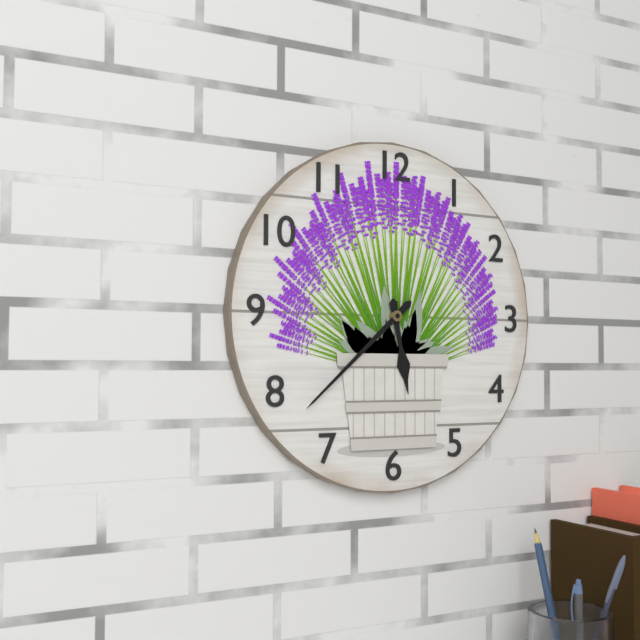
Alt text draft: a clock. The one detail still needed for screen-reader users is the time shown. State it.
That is 5:38
